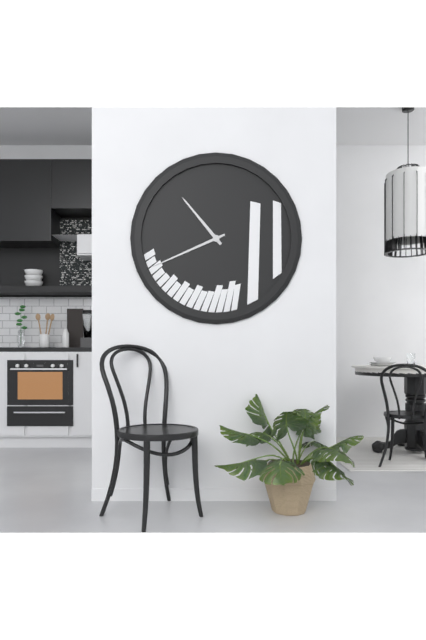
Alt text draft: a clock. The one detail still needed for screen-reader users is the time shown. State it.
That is 10:41
